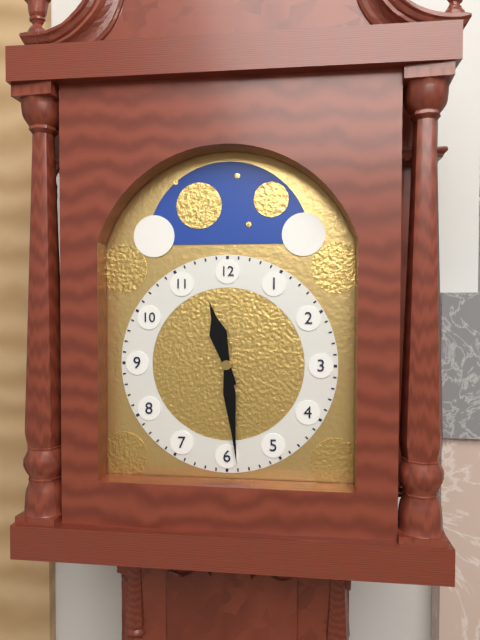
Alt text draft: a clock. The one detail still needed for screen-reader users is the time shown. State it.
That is 11:29
